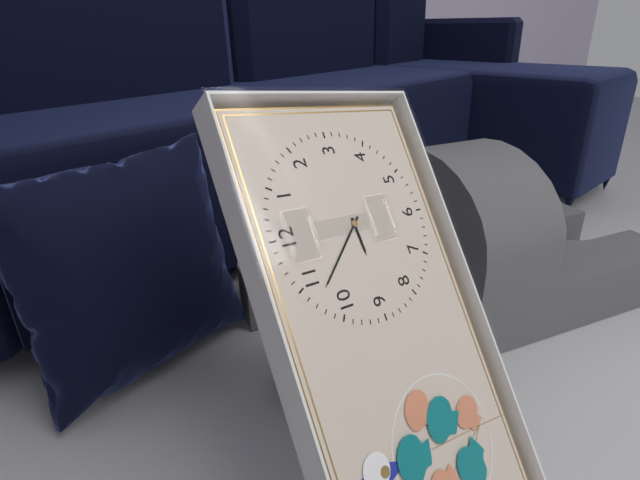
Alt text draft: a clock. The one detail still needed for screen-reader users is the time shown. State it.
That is 8:53
